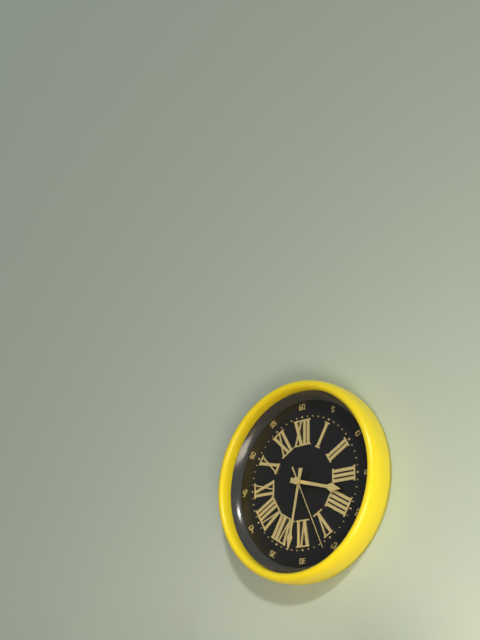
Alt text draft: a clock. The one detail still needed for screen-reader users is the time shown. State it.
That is 3:32:26
